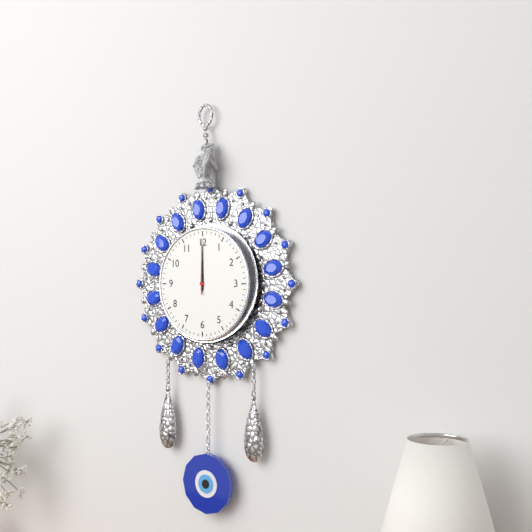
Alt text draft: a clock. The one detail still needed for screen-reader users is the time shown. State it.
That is 12:00:00
